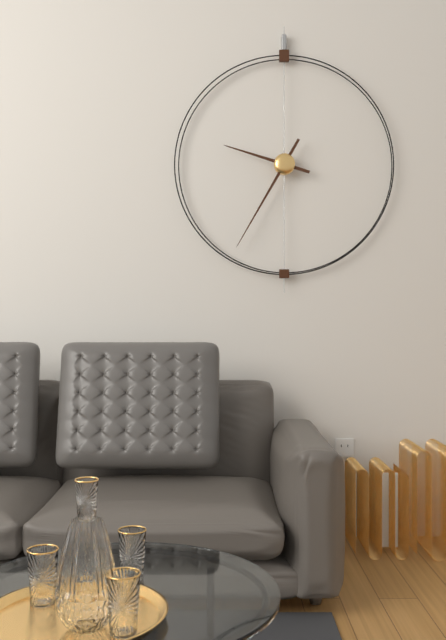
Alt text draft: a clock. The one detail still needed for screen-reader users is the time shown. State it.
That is 9:35
